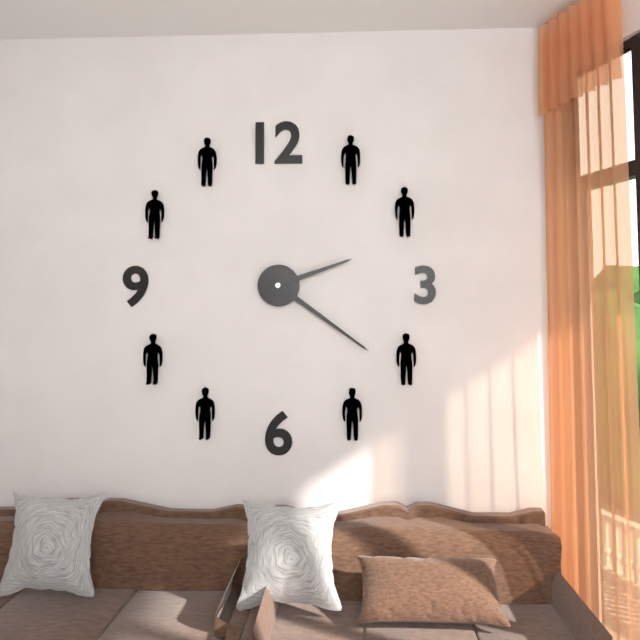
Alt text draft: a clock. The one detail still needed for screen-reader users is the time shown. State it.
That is 2:21
